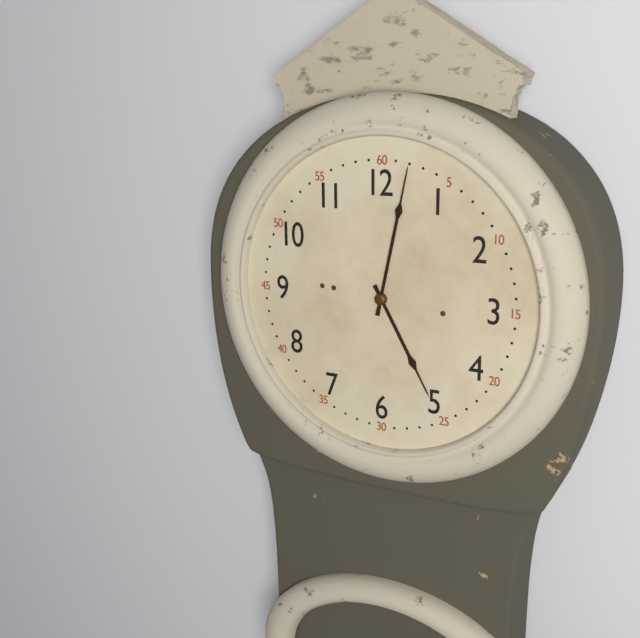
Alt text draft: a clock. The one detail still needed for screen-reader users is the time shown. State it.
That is 5:02
